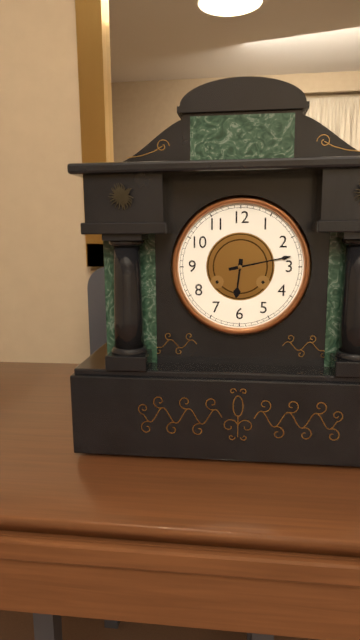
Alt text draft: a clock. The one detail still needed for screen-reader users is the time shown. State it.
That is 6:13
